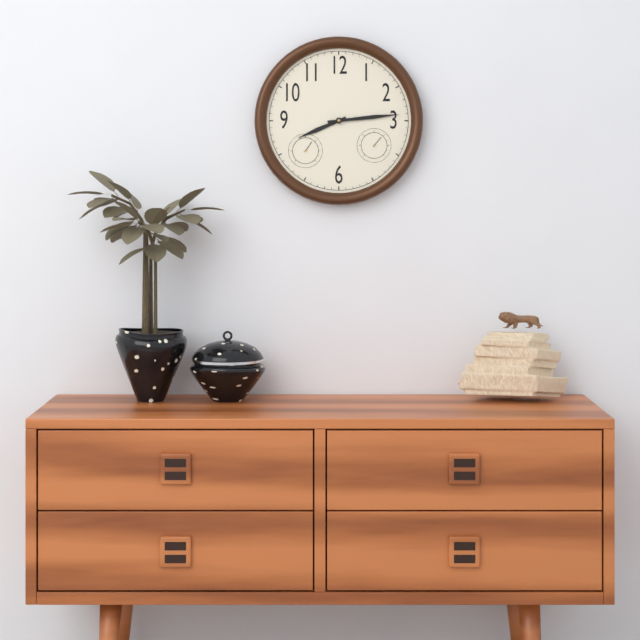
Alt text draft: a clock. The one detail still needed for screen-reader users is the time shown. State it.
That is 8:14
